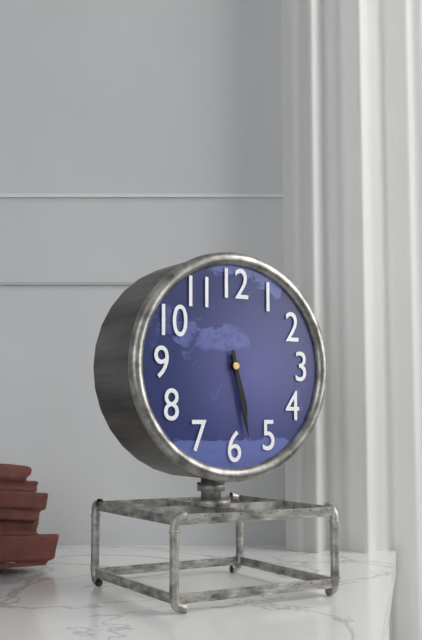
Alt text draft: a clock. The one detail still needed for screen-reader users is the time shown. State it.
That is 5:28
